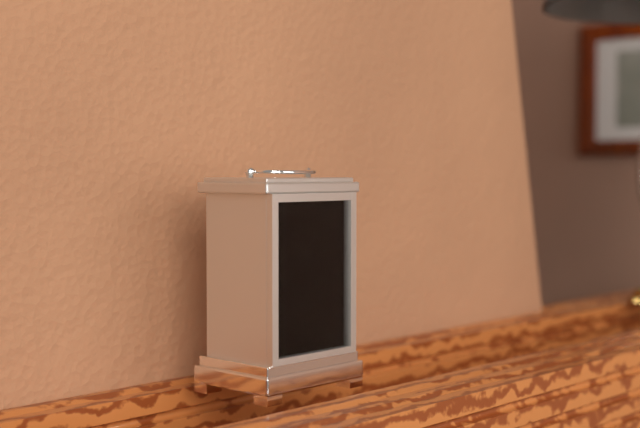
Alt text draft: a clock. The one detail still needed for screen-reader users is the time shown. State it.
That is 2:29
